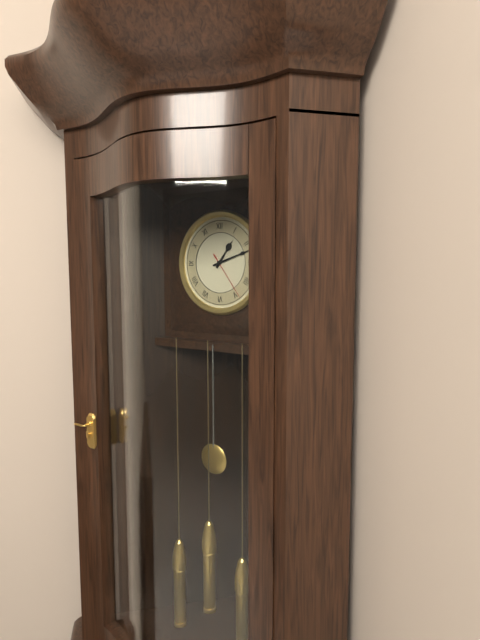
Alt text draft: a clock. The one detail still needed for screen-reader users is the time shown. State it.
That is 1:12:24
